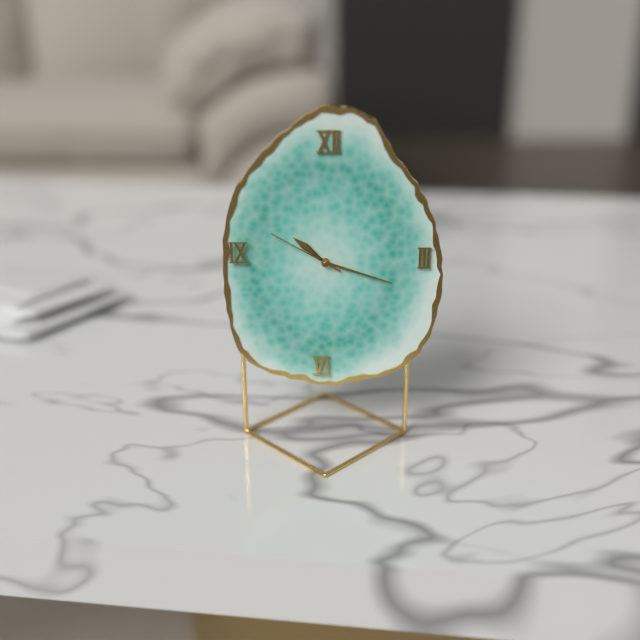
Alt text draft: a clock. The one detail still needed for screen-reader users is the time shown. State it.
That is 10:18:50
